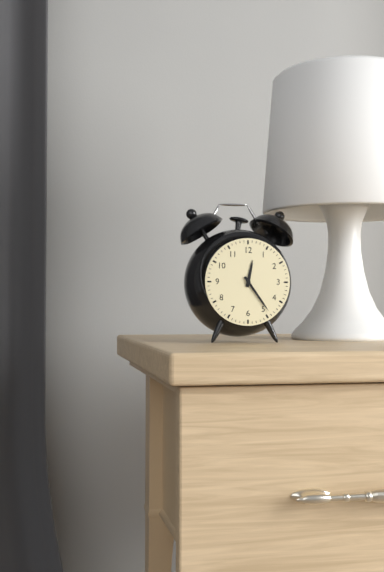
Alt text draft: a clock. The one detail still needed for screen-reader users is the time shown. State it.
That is 12:24
